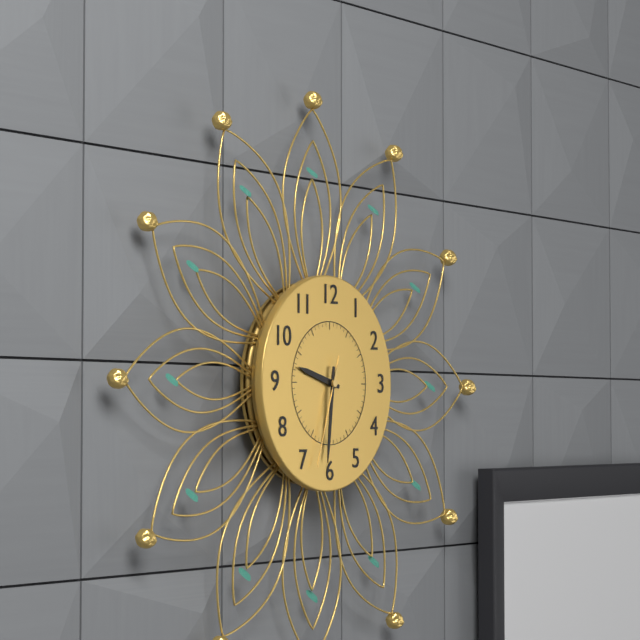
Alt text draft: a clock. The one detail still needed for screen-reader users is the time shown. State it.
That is 9:31:33
